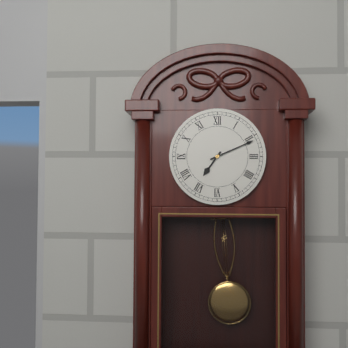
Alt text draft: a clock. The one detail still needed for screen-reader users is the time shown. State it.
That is 7:11
